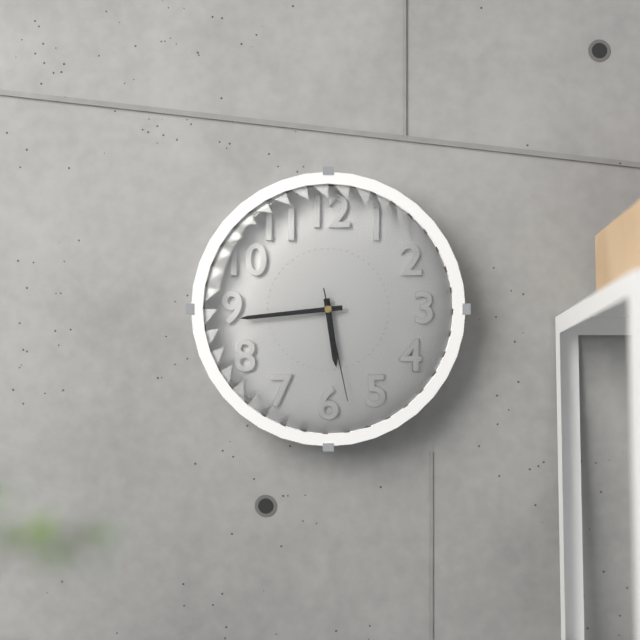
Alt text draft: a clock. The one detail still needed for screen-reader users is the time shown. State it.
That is 5:44:28
